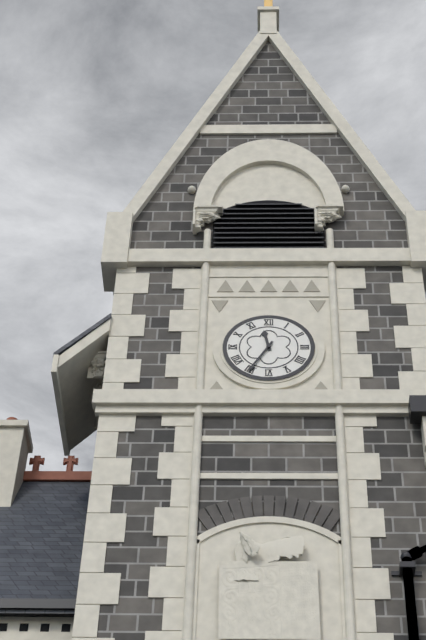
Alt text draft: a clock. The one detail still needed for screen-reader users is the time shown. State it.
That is 11:35
